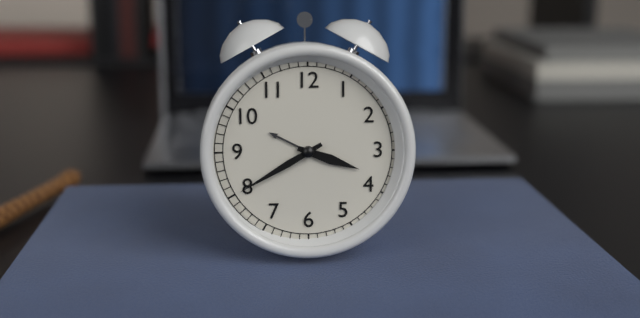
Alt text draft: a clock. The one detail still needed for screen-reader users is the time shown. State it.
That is 3:40
